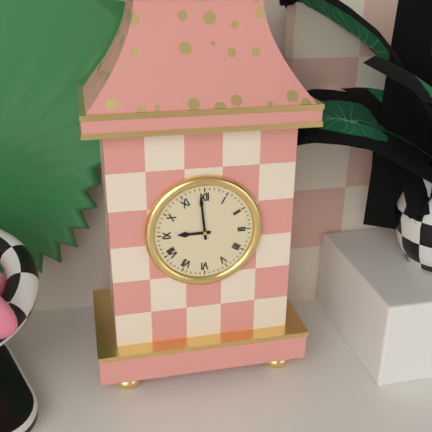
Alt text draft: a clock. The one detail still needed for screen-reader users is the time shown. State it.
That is 8:59
